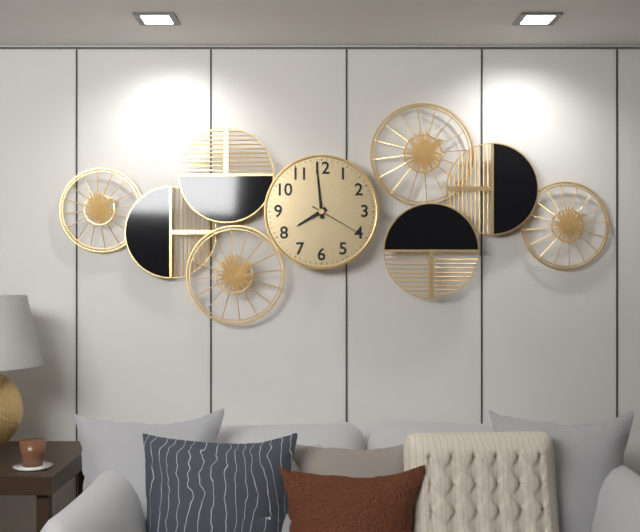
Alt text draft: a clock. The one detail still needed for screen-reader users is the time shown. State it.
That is 7:59:20
